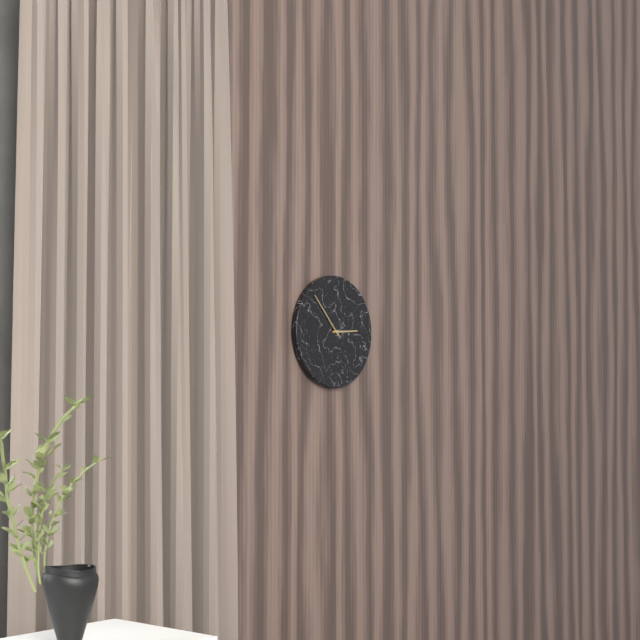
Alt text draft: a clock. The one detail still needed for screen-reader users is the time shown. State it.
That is 2:53
